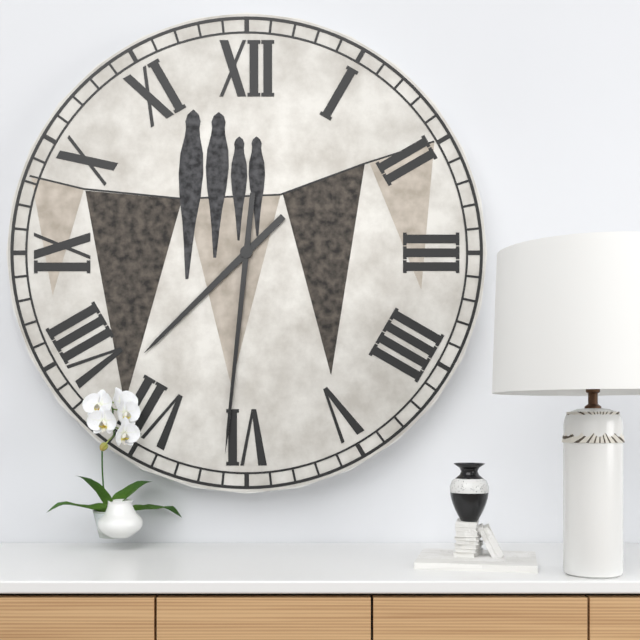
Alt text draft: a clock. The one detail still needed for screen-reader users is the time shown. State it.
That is 7:31
